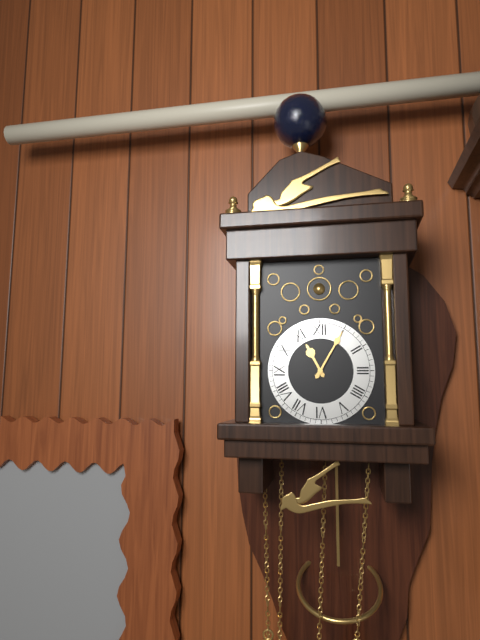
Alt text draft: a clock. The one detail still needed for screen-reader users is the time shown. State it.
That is 11:05
